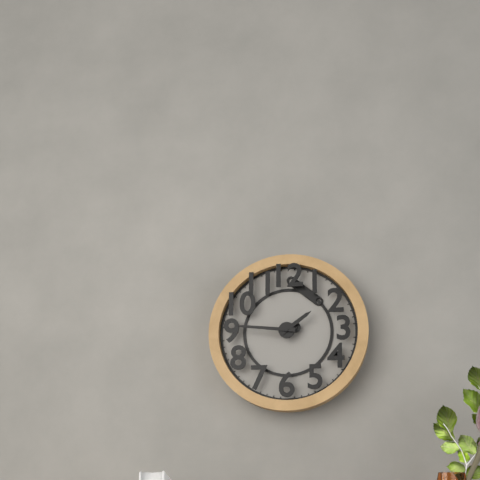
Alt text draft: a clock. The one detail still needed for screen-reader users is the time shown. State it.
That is 1:46
